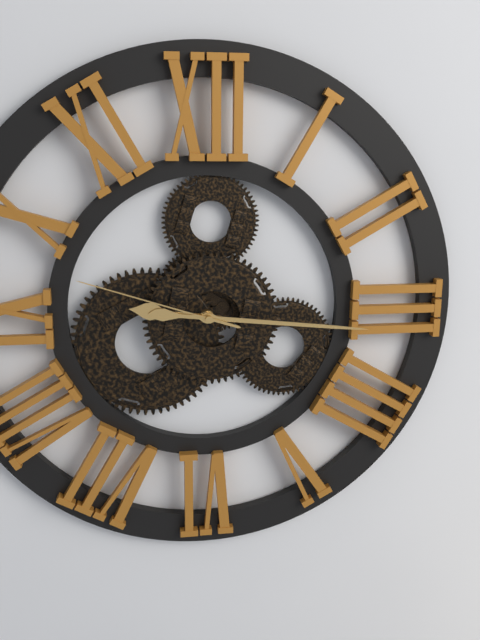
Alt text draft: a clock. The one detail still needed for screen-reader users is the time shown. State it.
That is 9:16:48
